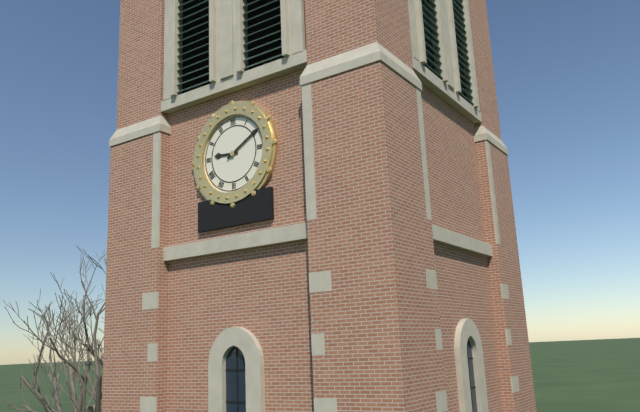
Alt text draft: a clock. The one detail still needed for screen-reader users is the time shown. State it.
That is 9:10
